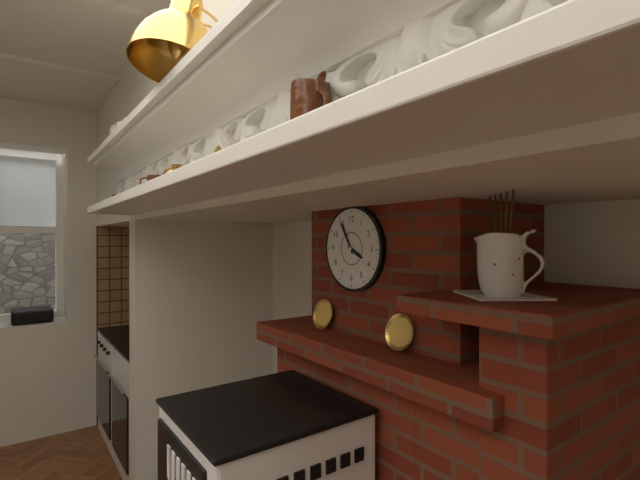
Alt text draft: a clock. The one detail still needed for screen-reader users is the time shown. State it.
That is 3:55
